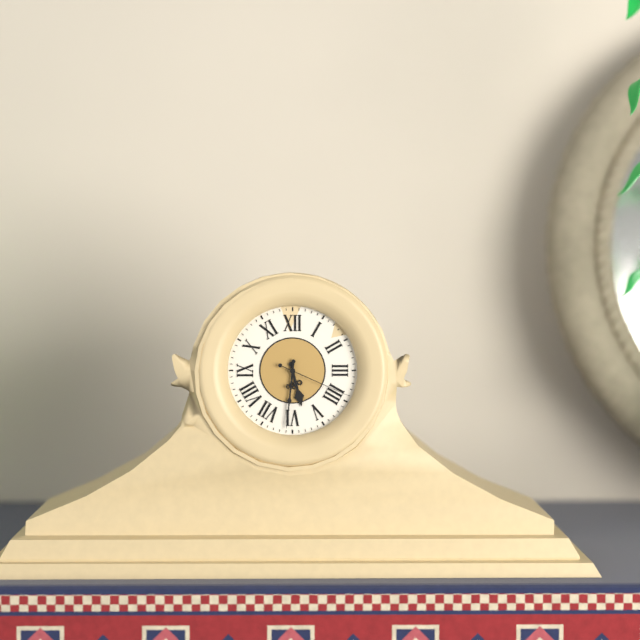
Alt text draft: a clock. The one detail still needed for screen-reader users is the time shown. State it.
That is 5:31:19
